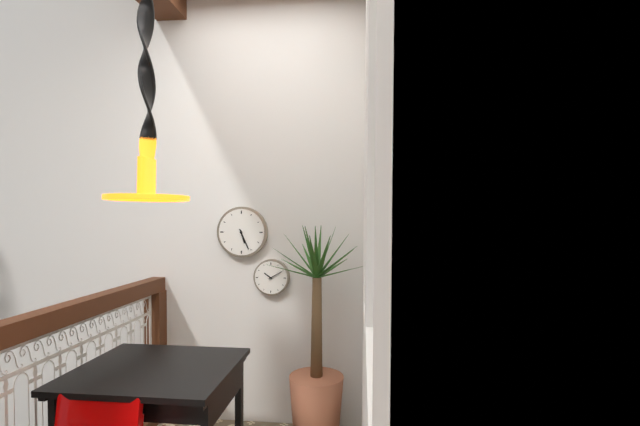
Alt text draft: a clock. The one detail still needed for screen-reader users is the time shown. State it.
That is 5:26
